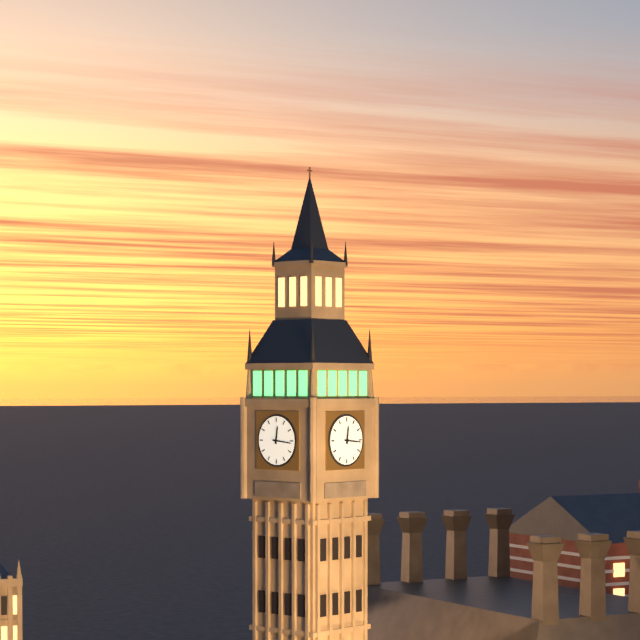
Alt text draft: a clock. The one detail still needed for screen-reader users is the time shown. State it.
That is 12:16
